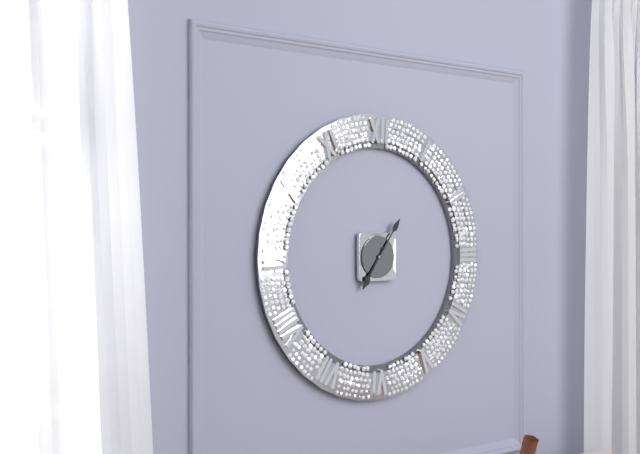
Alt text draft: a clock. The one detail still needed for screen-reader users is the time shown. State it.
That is 7:06
